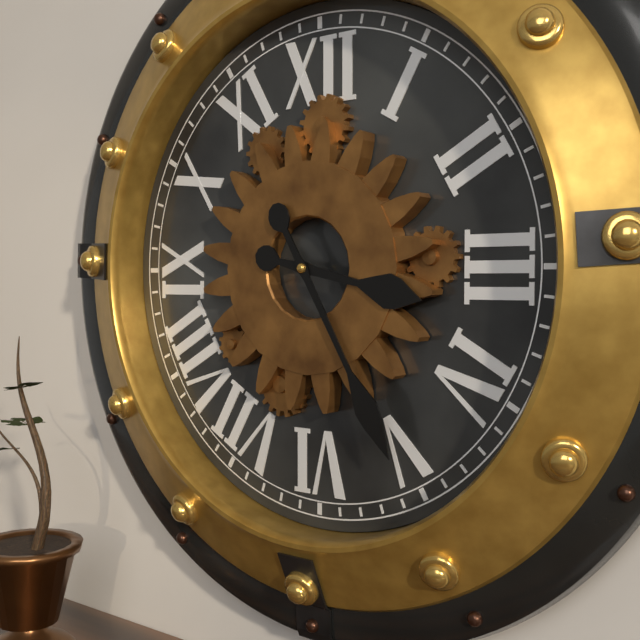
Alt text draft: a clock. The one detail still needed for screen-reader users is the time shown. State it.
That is 3:25
